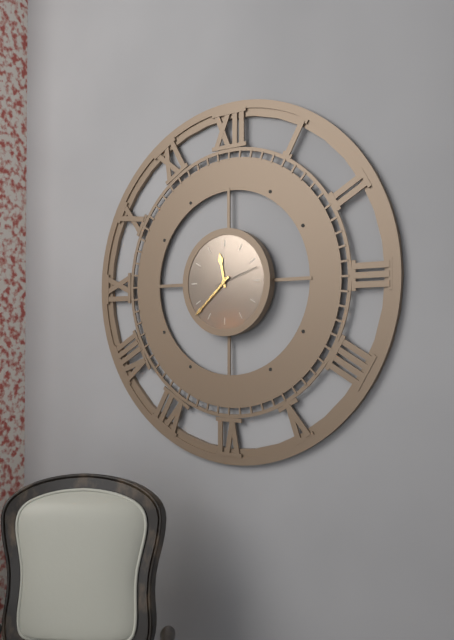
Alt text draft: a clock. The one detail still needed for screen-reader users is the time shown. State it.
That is 11:38
